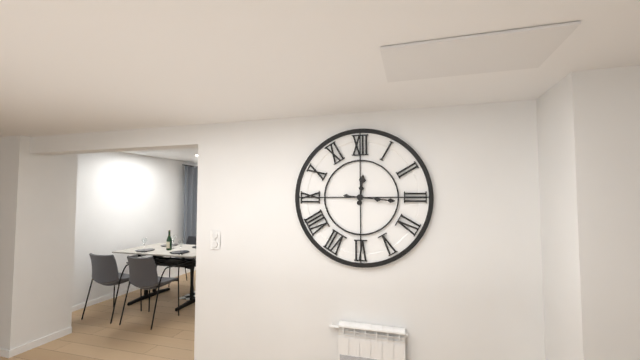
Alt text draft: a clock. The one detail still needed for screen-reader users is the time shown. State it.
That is 12:16
